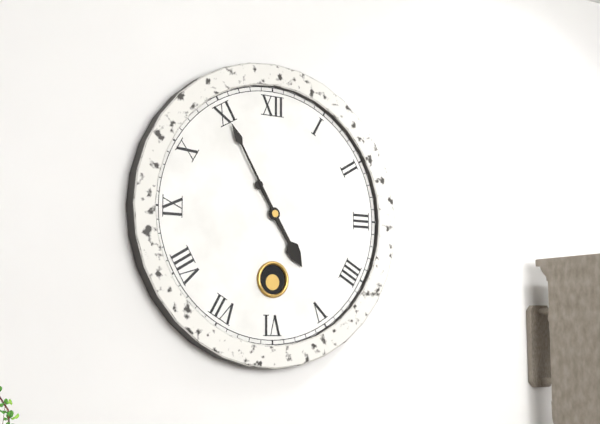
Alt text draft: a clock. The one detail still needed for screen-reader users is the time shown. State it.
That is 4:55
